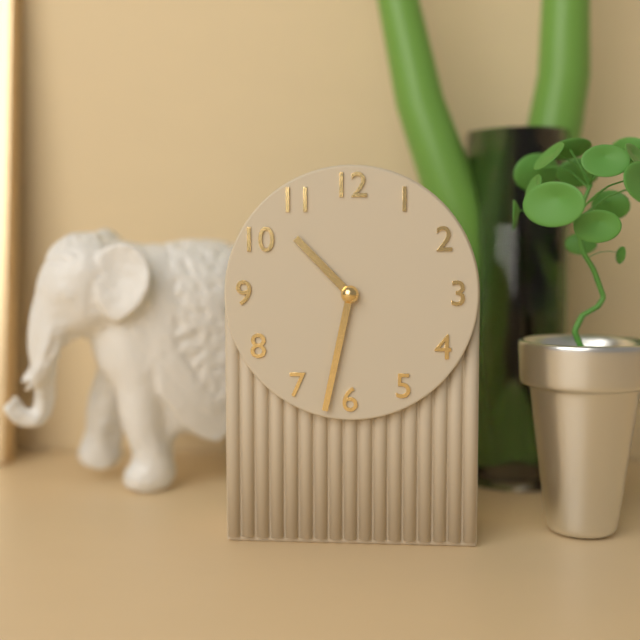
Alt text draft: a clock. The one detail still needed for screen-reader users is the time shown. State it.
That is 10:32
